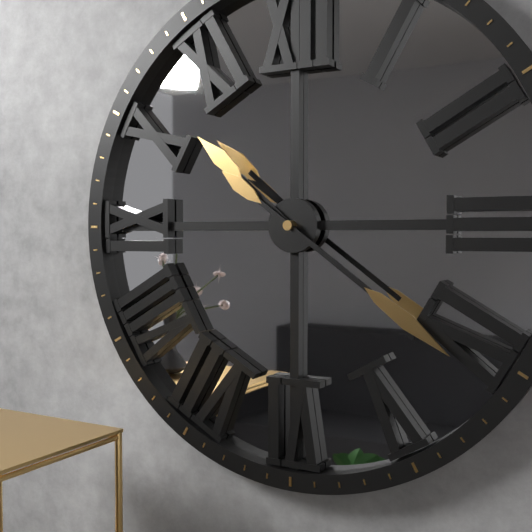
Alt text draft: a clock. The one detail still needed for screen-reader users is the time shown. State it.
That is 10:21
